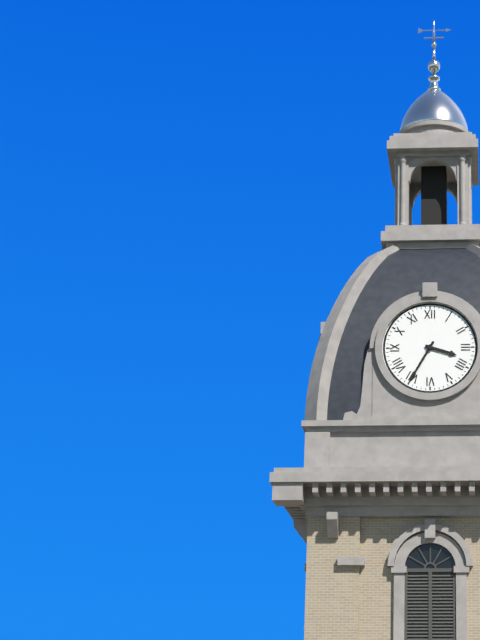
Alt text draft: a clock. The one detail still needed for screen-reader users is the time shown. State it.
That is 3:35
